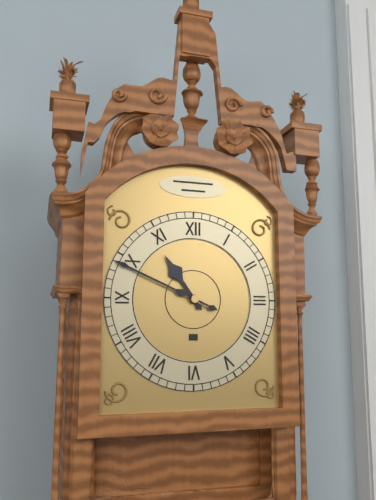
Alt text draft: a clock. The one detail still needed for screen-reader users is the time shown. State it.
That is 10:49
